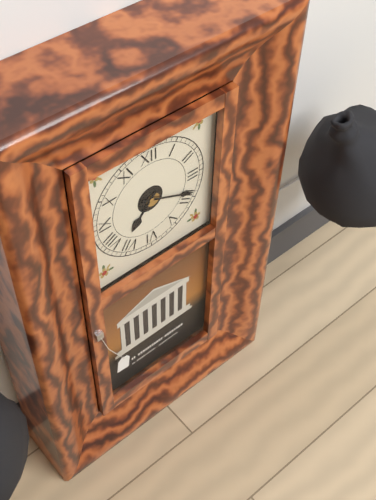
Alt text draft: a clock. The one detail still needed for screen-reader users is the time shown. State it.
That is 7:19
